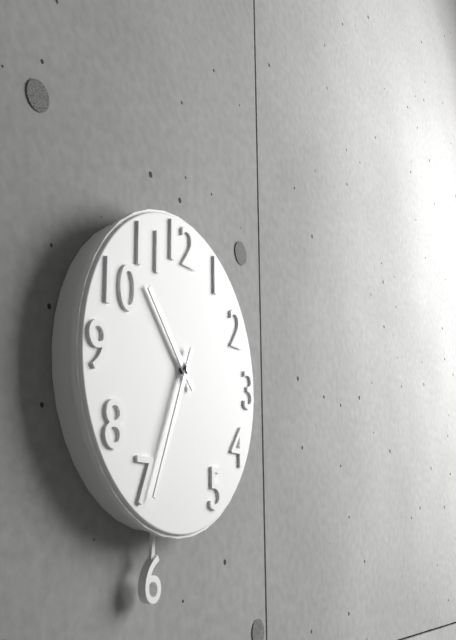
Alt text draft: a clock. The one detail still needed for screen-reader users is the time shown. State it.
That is 10:34
